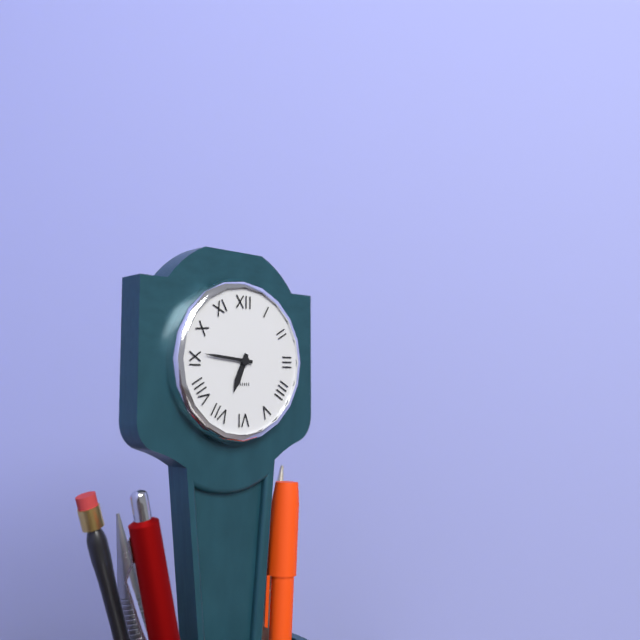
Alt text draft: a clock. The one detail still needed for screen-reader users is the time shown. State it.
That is 6:46
